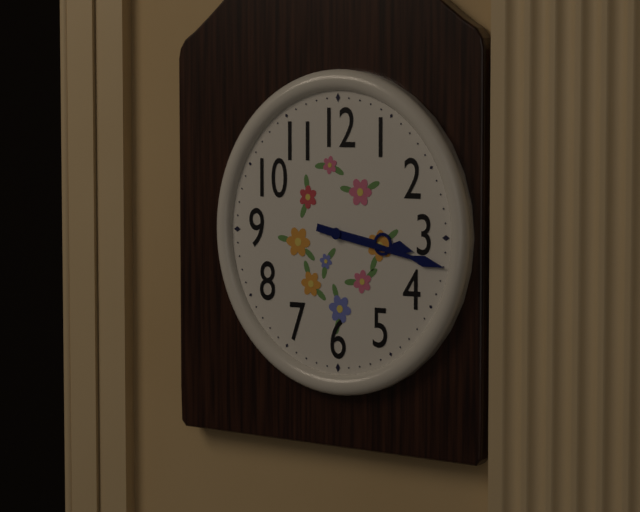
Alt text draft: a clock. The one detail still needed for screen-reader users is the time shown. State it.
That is 3:17
